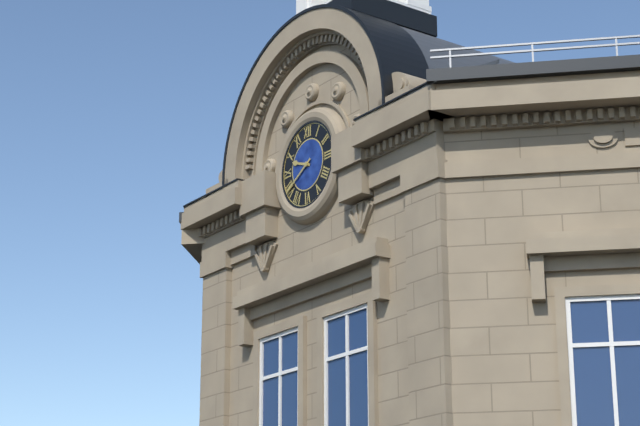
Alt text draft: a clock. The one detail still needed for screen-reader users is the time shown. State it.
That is 9:40
